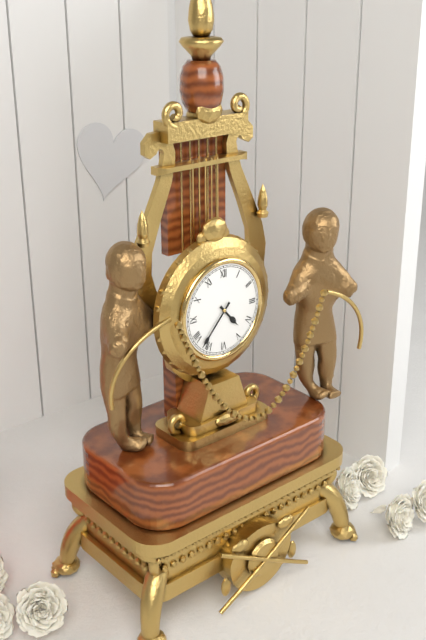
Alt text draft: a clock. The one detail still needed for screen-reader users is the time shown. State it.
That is 4:37
